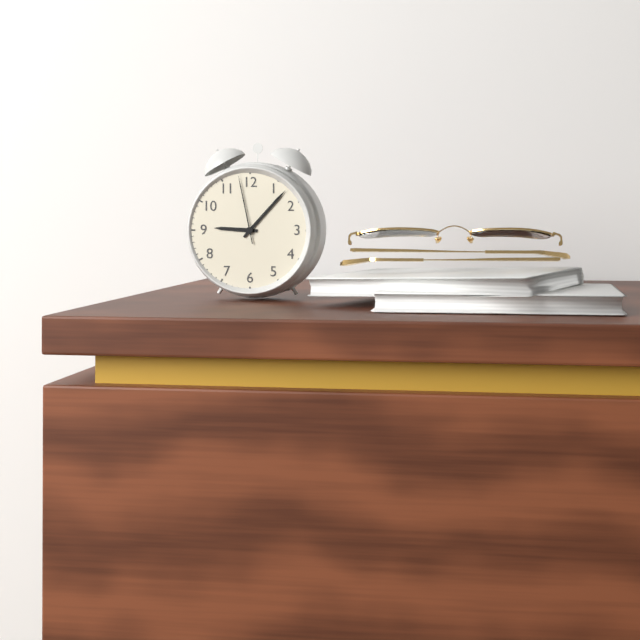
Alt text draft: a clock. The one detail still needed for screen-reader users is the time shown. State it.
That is 9:07:58
